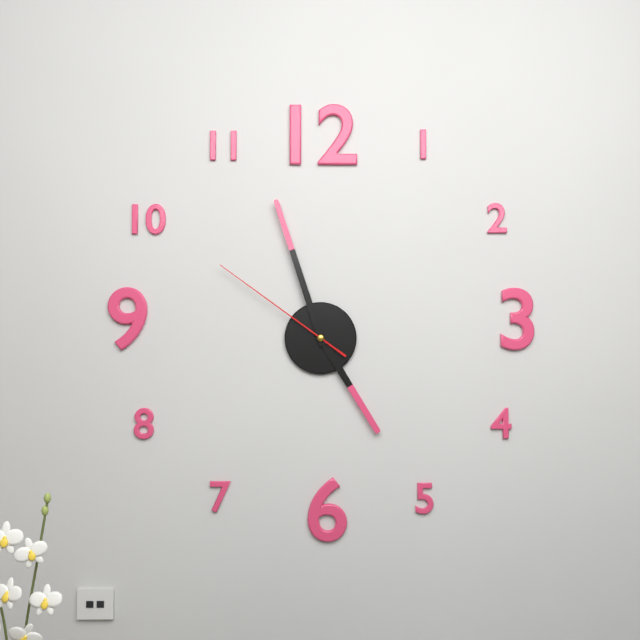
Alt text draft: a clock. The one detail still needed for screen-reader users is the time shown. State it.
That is 4:57:51
